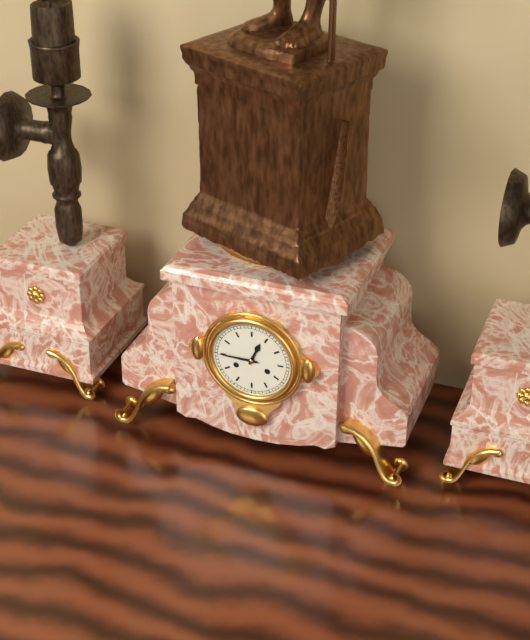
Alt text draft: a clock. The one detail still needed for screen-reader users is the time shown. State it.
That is 12:45
